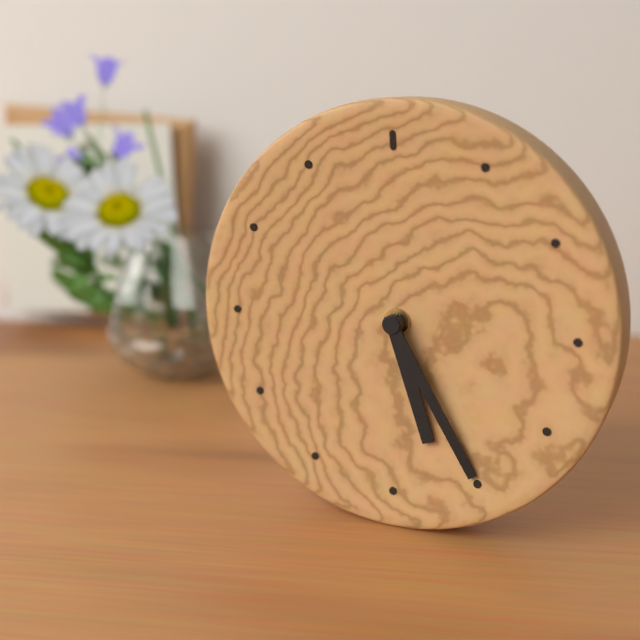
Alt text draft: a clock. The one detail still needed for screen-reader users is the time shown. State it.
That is 5:25
